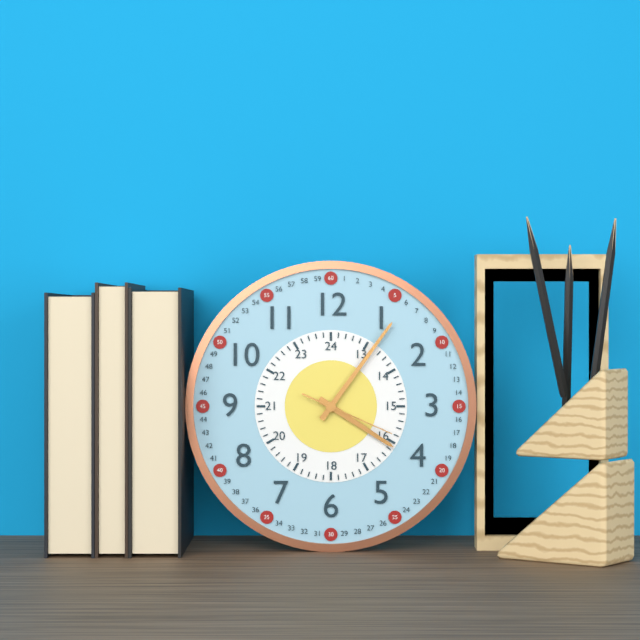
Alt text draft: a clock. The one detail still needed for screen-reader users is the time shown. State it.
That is 4:06:19
